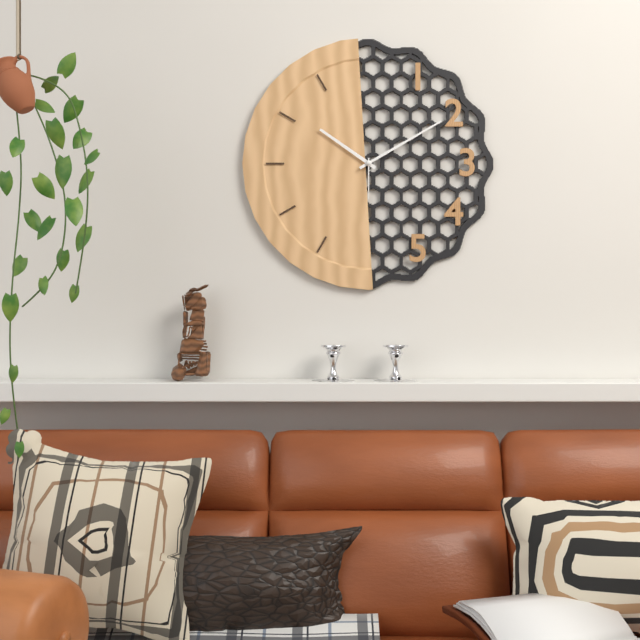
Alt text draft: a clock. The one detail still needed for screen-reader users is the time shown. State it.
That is 10:10
